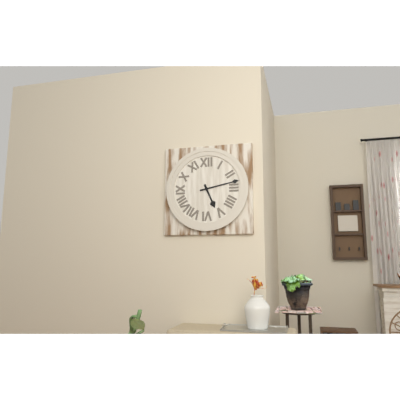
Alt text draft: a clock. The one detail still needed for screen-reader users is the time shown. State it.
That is 5:13
